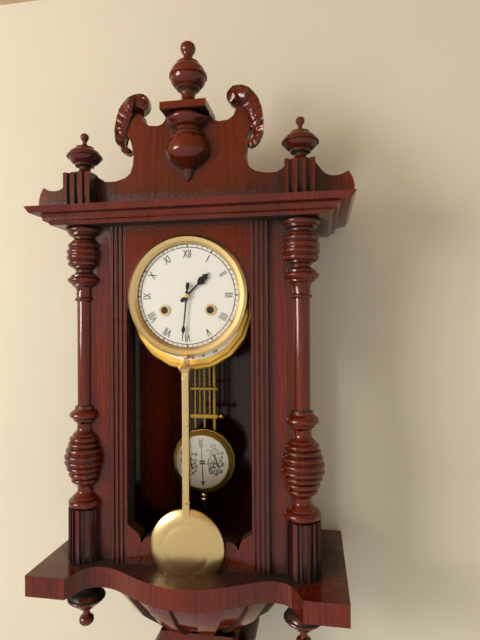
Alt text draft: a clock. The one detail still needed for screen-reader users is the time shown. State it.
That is 1:31
